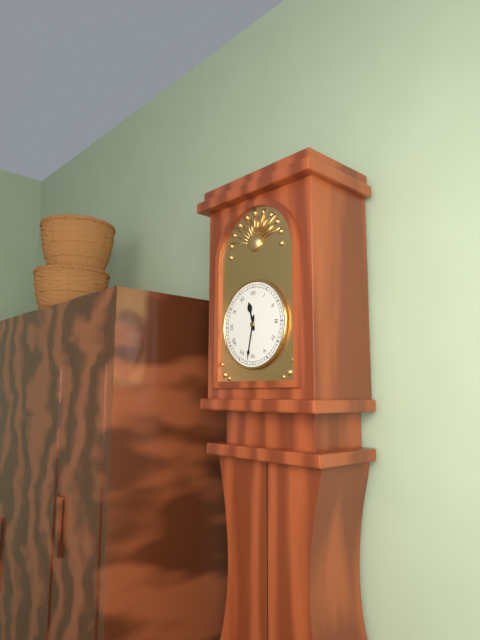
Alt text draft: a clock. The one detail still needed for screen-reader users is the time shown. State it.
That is 11:32
